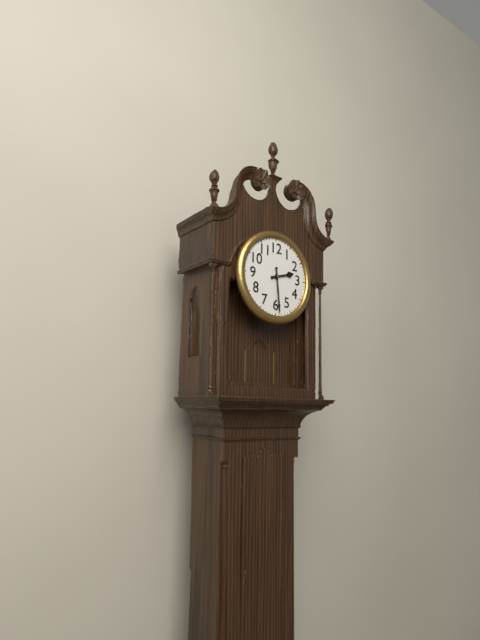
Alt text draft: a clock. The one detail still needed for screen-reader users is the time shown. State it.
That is 2:29
